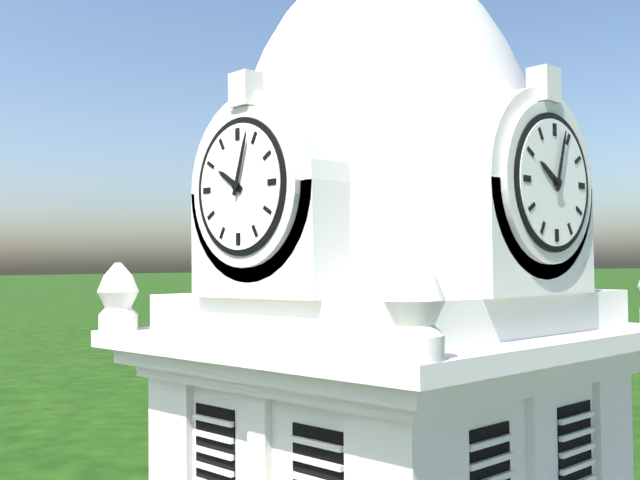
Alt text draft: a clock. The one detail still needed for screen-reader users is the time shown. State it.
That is 10:03
